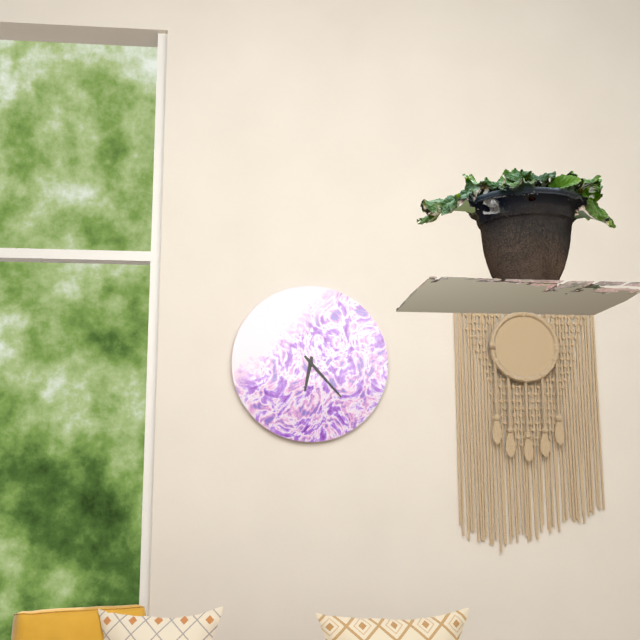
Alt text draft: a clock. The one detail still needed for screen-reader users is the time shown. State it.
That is 6:23
